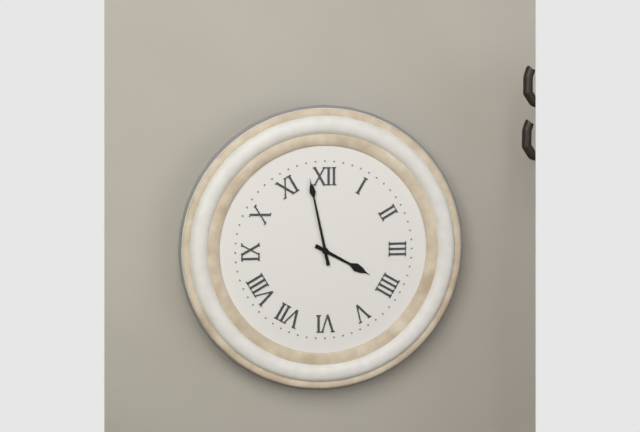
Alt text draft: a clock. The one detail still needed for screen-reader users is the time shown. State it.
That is 3:58
